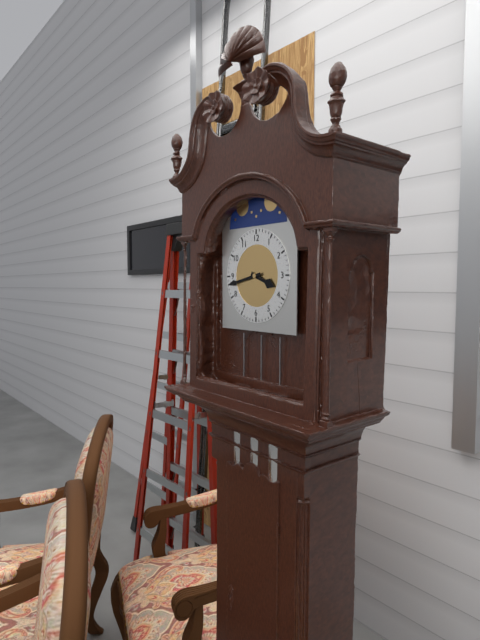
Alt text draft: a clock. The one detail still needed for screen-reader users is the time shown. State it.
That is 3:43
